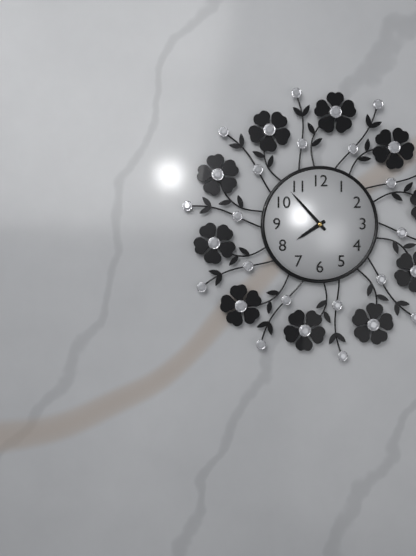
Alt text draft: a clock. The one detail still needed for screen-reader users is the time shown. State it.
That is 7:53
